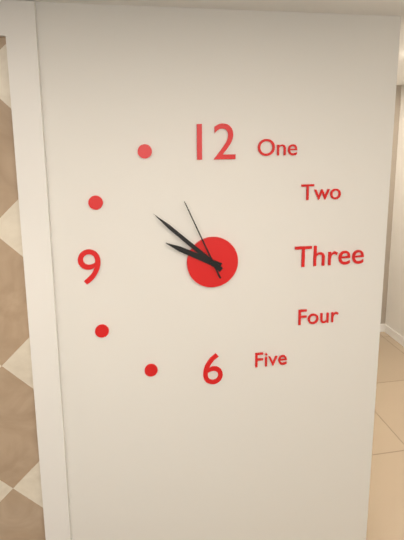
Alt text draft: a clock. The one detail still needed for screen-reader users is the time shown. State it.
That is 9:52:56
